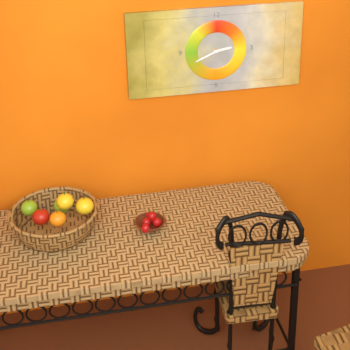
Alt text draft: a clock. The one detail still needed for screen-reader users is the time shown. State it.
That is 2:41
